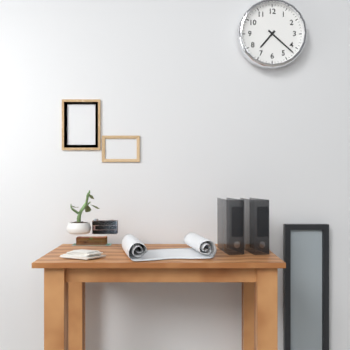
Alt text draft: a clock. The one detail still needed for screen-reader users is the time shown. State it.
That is 7:22
